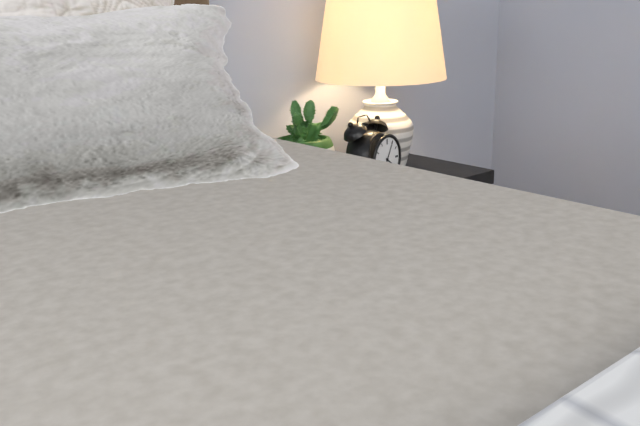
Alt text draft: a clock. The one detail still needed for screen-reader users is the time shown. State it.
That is 4:05
